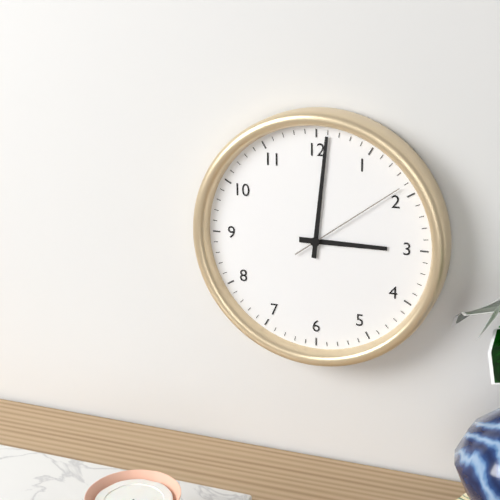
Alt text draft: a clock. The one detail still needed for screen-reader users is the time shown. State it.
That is 3:01:09
